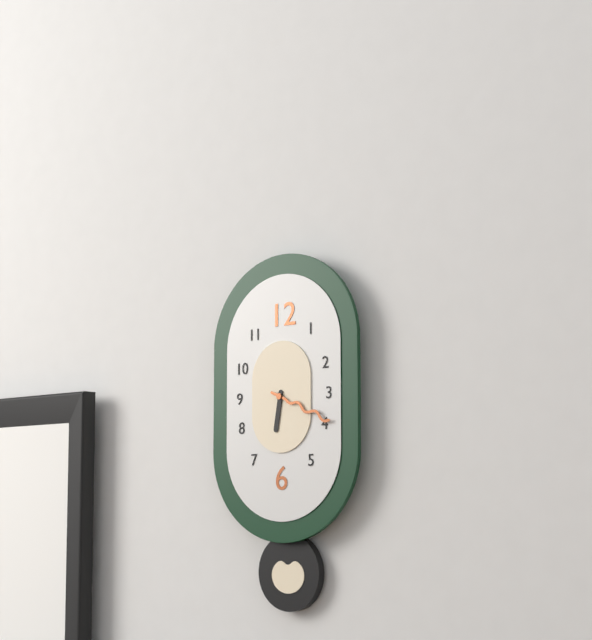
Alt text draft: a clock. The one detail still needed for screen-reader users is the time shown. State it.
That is 6:19
